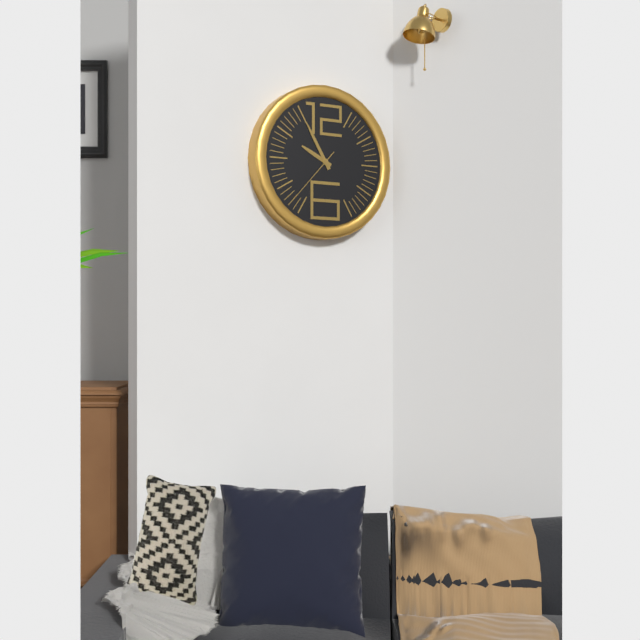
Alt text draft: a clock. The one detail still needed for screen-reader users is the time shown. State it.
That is 9:55:37
